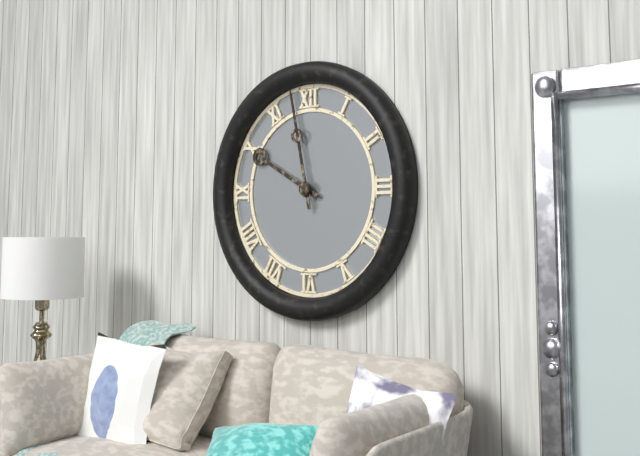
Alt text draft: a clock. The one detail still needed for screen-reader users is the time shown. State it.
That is 9:58
